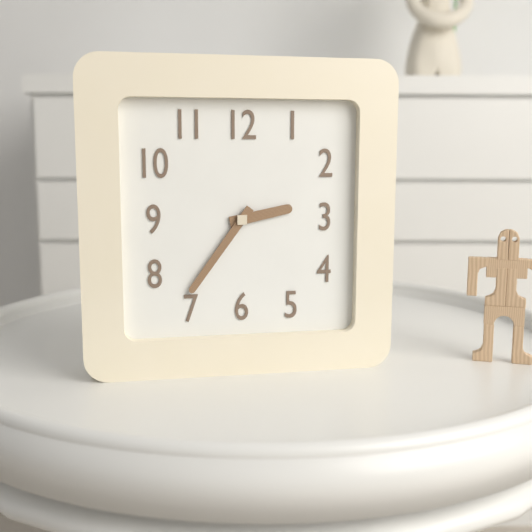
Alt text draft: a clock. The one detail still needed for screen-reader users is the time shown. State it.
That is 2:36
